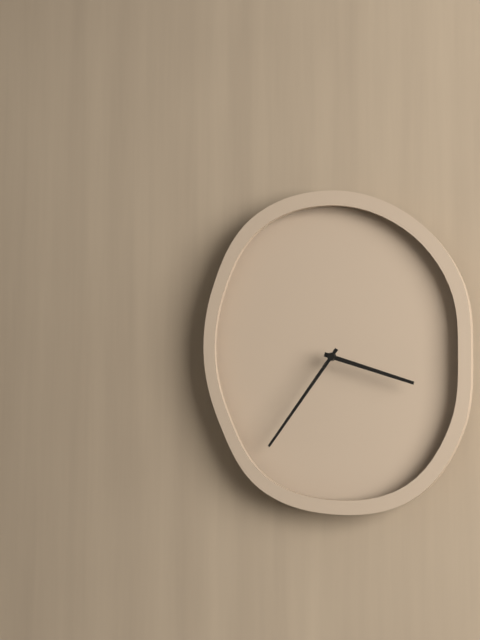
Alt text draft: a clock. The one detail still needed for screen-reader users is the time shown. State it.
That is 3:36
